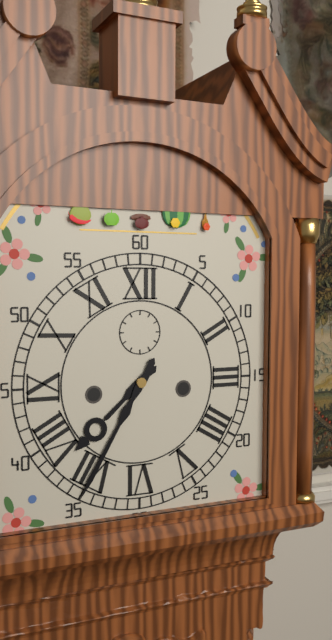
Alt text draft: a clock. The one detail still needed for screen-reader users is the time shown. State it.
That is 7:35
